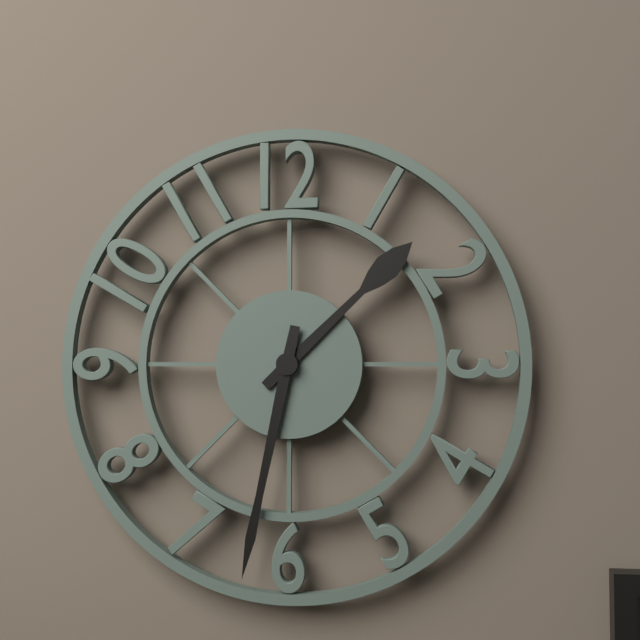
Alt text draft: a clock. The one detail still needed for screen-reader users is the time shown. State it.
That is 1:32
